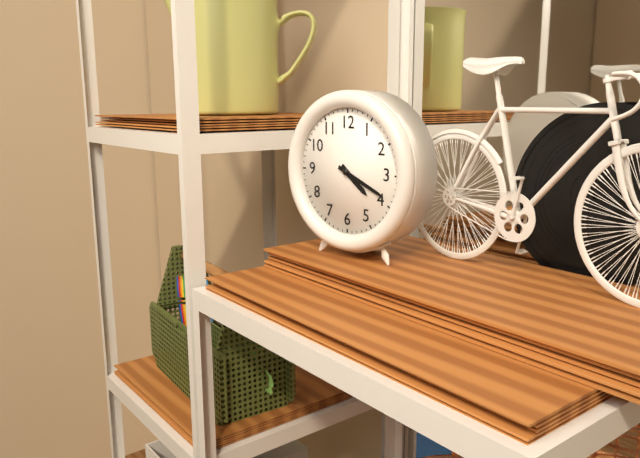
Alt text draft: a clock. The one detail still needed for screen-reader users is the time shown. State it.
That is 4:19
